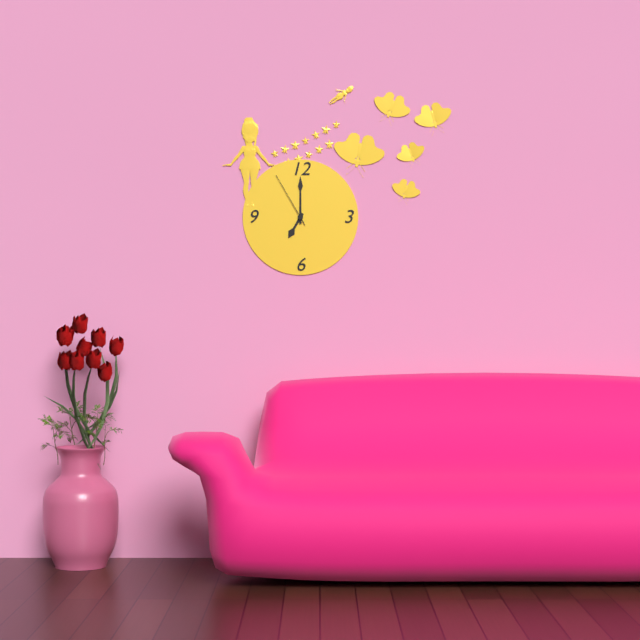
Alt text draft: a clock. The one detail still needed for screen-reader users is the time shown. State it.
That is 7:00:55
